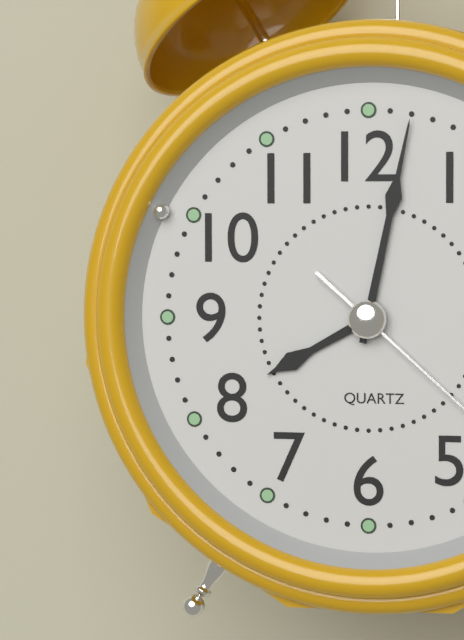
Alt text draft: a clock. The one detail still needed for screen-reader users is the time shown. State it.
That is 8:02
